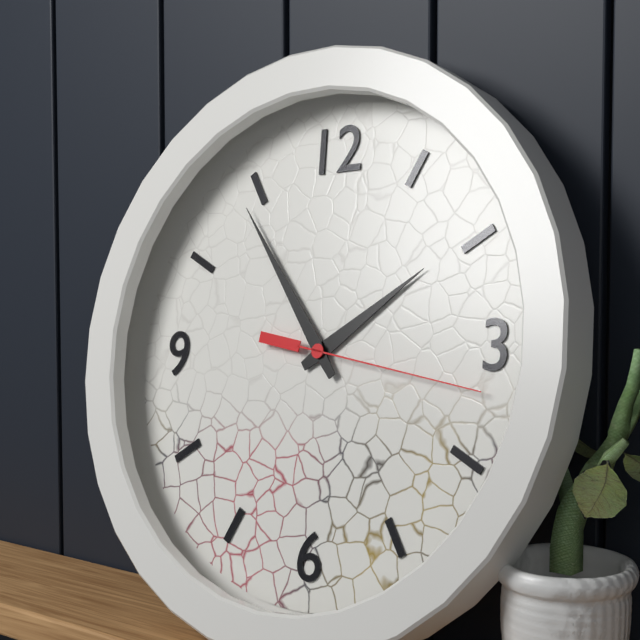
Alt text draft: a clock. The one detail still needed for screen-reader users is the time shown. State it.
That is 1:54:17
